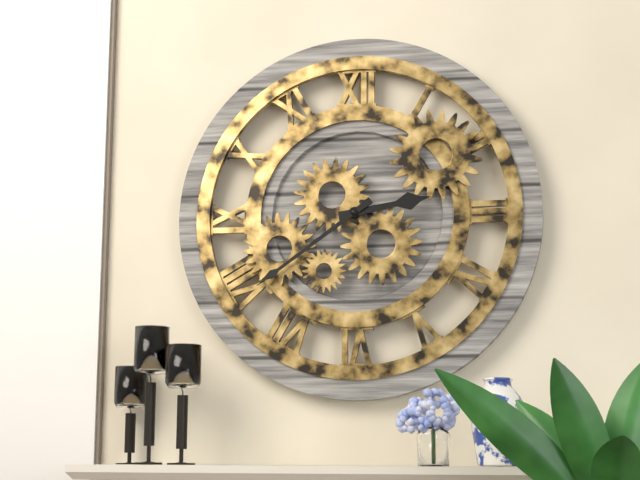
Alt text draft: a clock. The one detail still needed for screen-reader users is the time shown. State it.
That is 2:39
